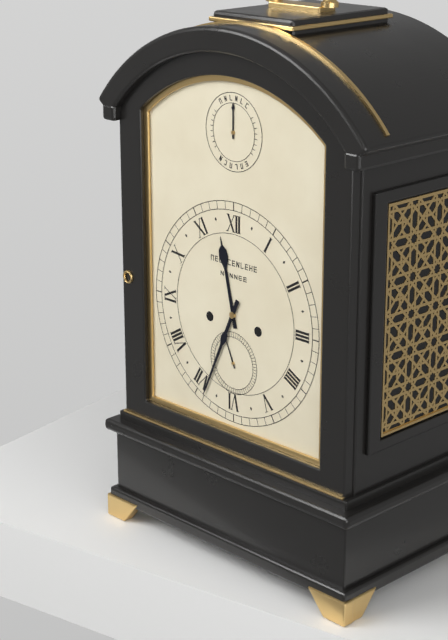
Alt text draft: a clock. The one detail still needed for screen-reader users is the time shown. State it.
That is 11:34
